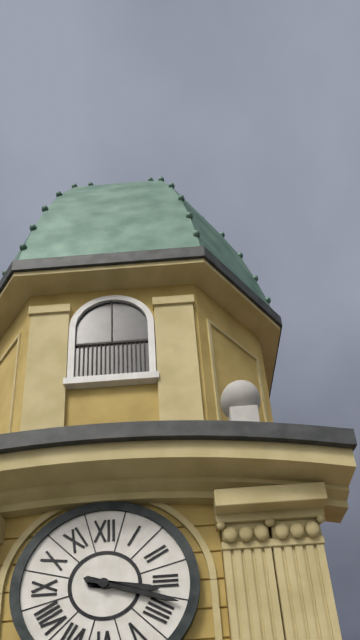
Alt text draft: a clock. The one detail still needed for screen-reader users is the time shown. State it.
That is 3:18
